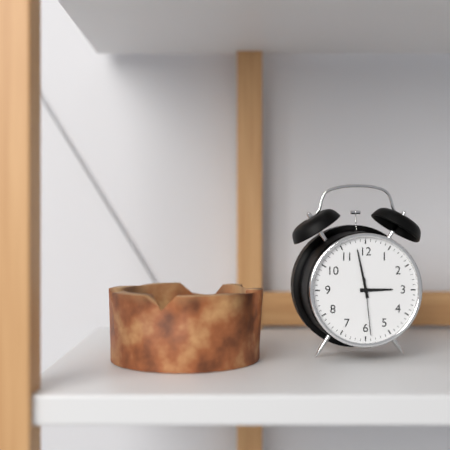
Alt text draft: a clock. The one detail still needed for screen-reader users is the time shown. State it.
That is 2:58:29
